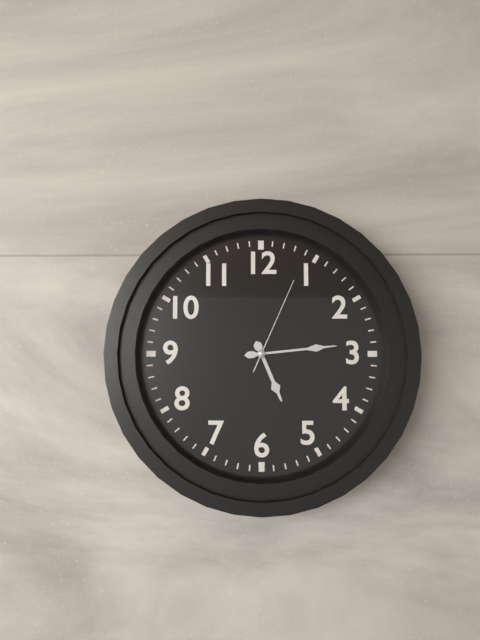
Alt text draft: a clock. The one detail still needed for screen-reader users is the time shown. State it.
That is 5:14:04
